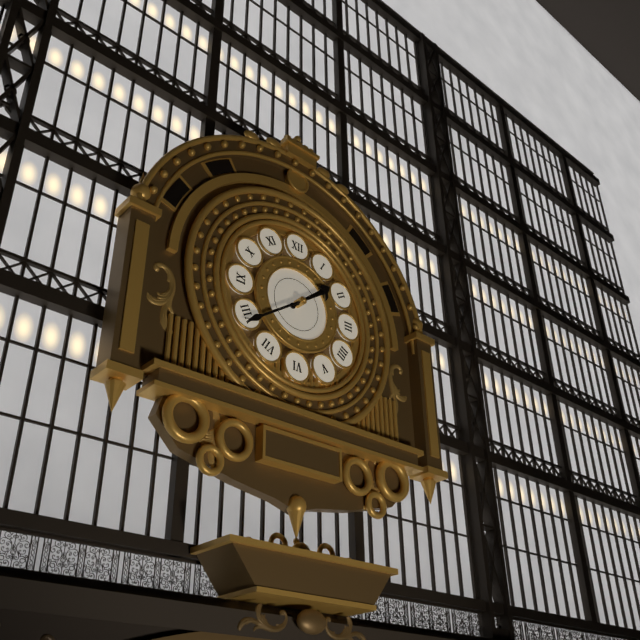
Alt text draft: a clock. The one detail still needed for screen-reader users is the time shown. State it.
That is 1:39
